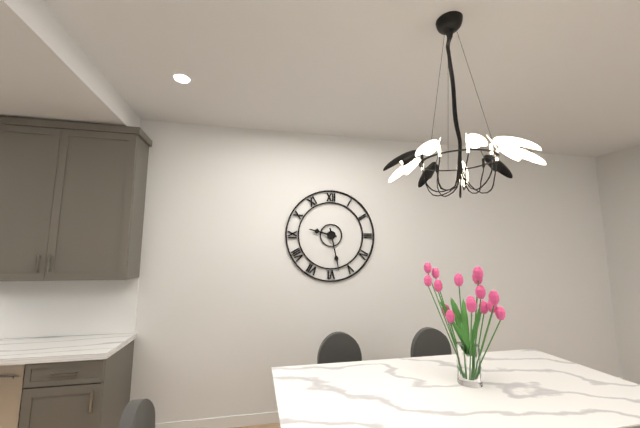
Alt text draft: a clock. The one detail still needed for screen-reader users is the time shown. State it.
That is 9:28
